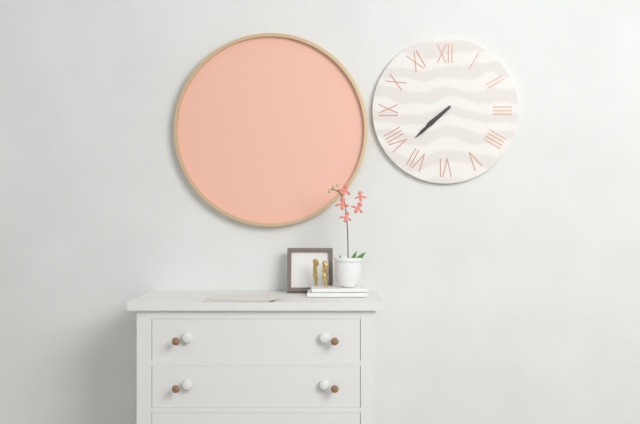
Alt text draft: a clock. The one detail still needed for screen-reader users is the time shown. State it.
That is 7:38
